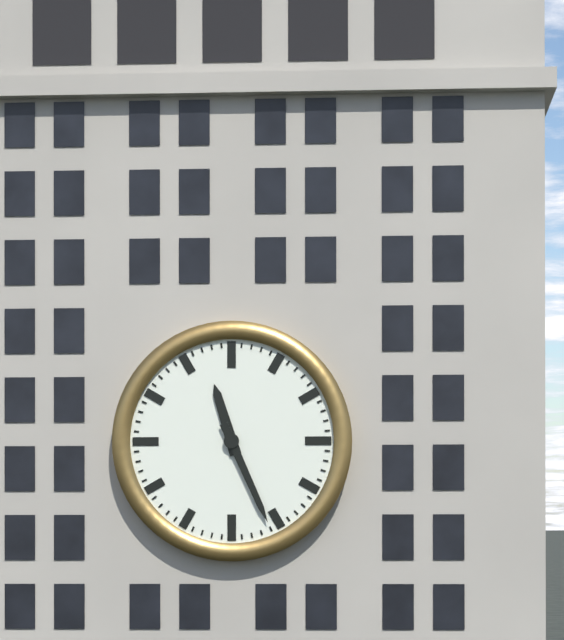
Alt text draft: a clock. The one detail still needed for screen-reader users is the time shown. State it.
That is 11:26
